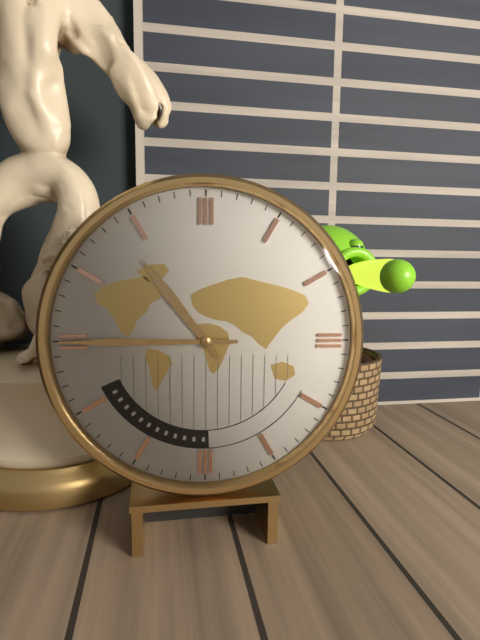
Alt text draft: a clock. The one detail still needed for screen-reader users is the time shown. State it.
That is 10:45
